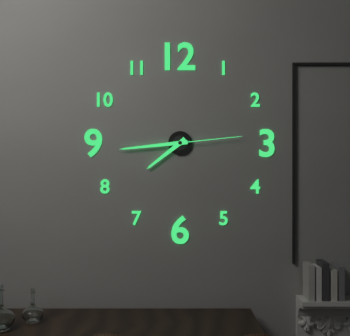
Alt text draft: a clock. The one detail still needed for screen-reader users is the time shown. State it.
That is 7:44:14
